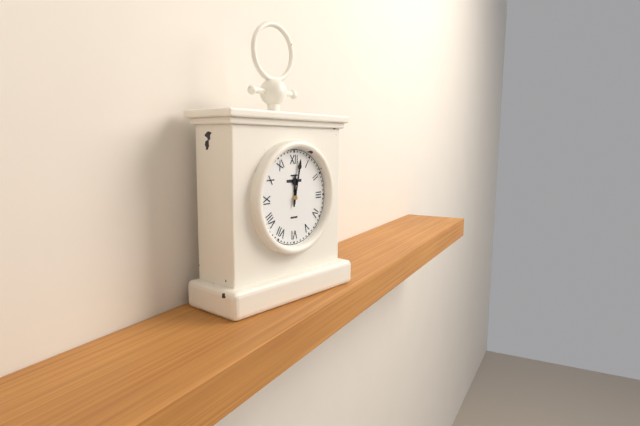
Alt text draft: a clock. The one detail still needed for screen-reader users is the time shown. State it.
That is 12:02
